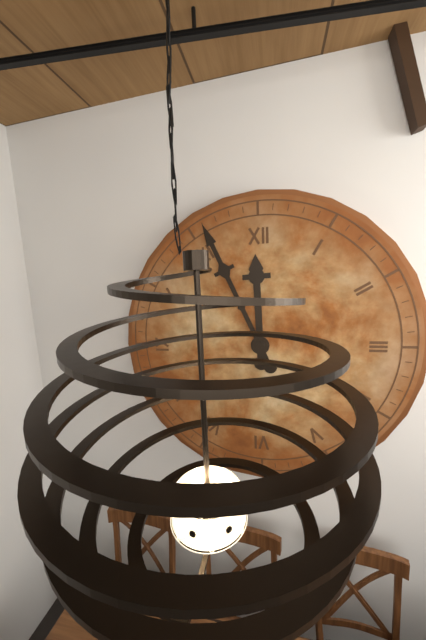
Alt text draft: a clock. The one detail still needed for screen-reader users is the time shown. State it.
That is 11:56
